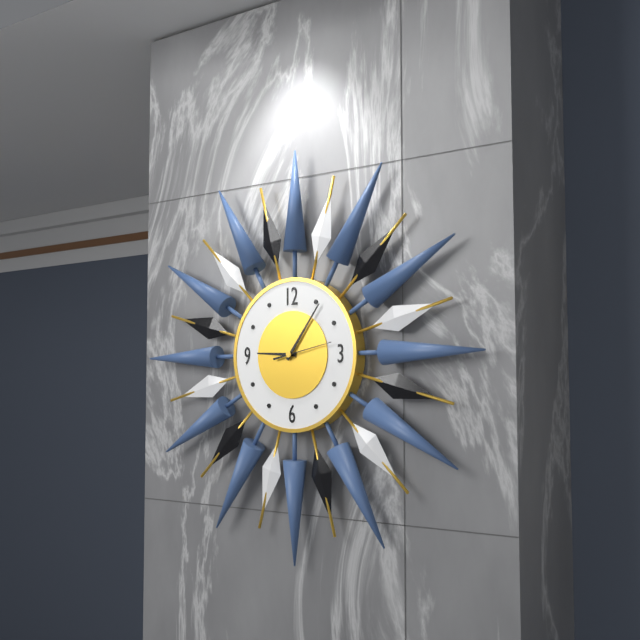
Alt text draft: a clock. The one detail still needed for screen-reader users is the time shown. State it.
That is 9:06:13
